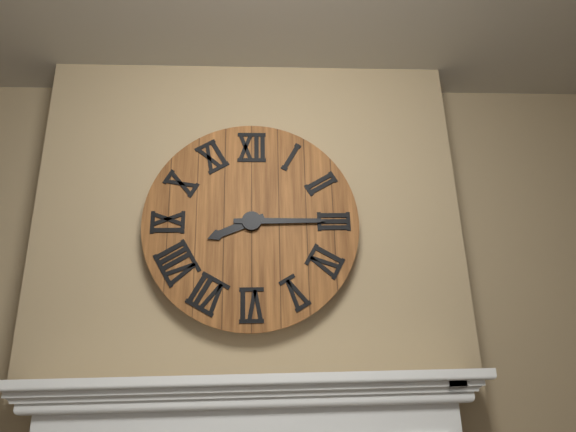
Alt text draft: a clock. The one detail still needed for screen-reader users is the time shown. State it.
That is 8:15
